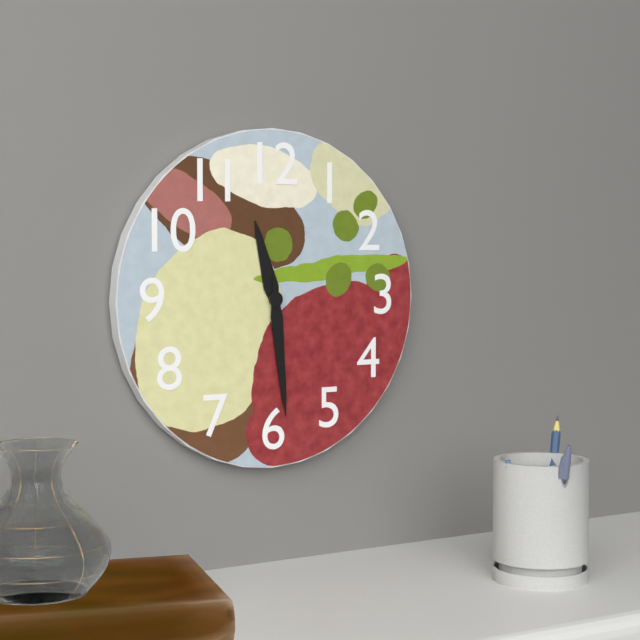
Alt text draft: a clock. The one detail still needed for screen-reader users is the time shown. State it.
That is 11:29
